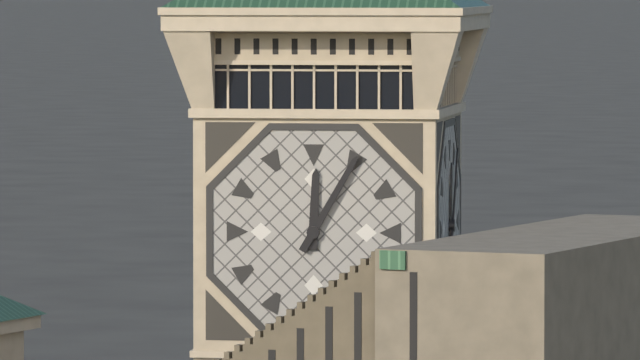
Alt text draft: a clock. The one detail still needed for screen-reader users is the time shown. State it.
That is 12:05
